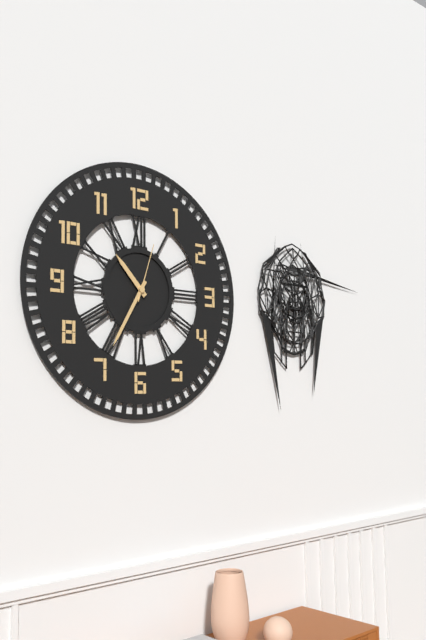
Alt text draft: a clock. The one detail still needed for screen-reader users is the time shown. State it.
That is 10:35:03
